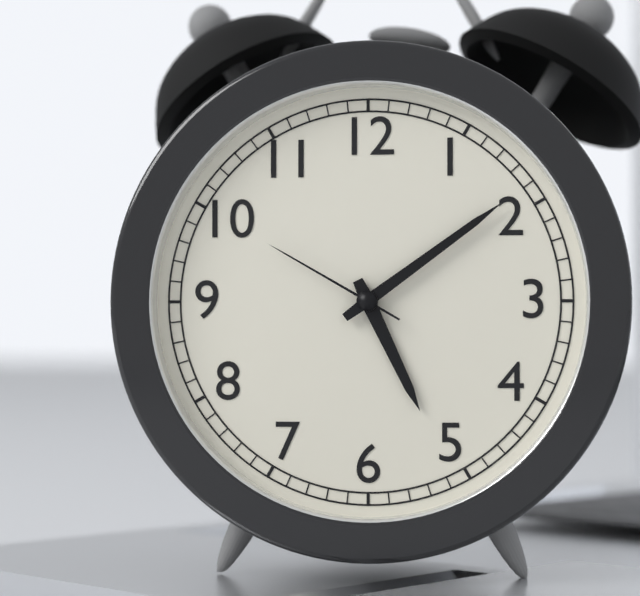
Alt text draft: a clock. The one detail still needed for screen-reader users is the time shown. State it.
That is 5:09:50
